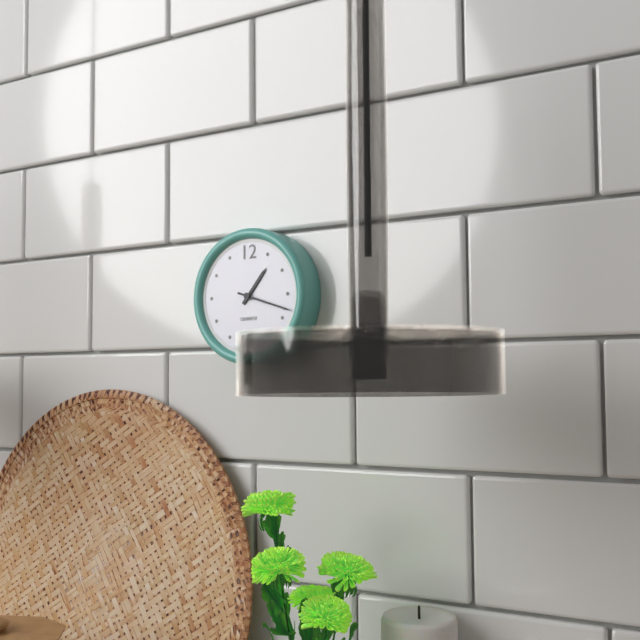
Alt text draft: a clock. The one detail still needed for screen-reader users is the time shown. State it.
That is 1:18
